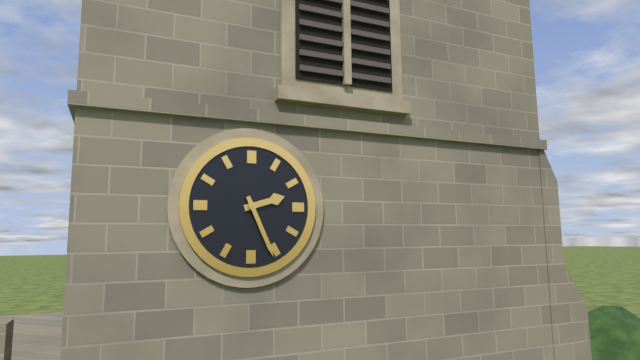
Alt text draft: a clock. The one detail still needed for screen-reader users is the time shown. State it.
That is 2:26
